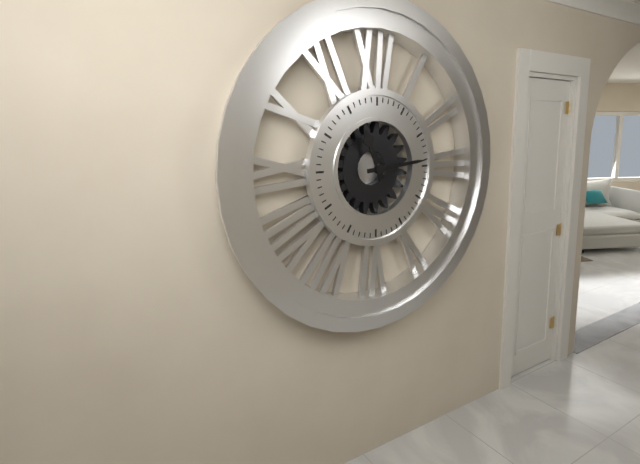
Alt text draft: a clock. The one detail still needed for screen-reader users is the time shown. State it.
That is 11:14
